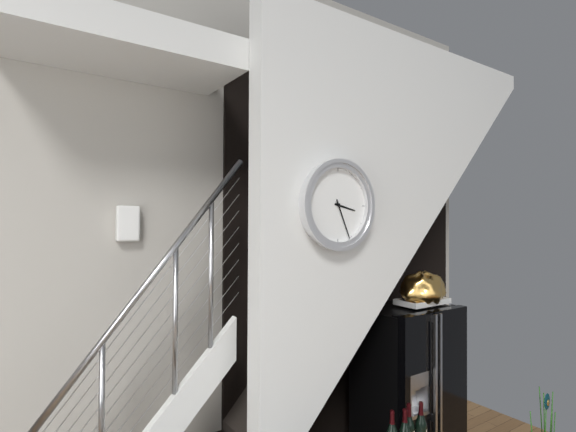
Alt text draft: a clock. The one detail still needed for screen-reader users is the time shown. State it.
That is 3:26
